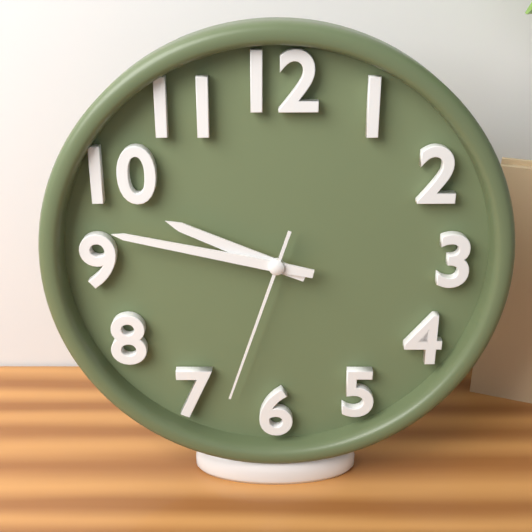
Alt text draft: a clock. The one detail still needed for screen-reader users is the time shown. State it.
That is 9:47:33
